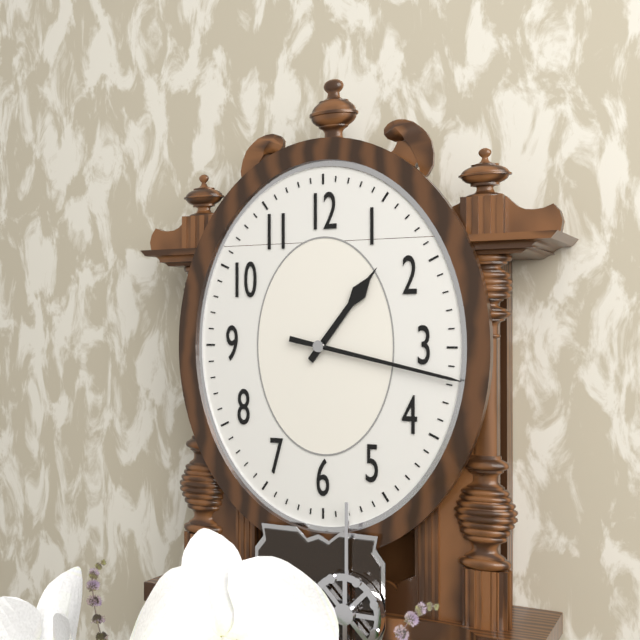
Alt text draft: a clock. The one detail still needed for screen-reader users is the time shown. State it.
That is 1:17
